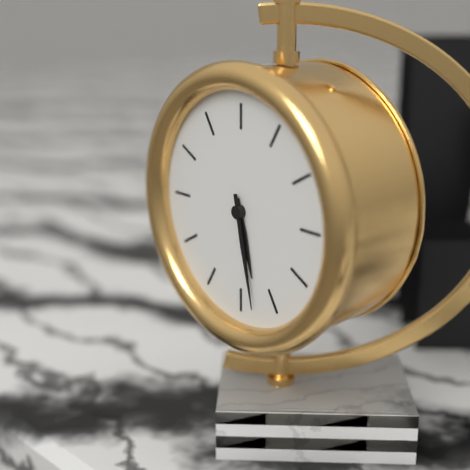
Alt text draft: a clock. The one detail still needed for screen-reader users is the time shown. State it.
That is 5:28
